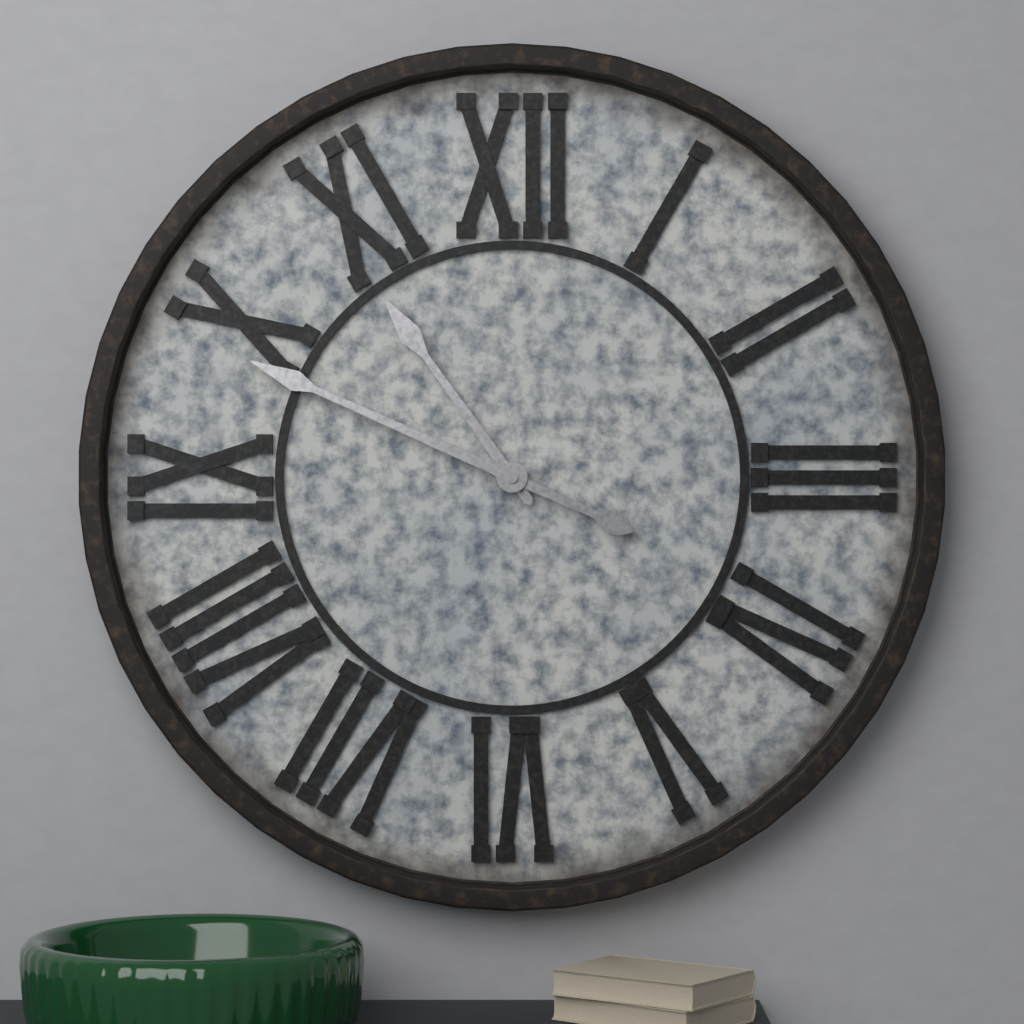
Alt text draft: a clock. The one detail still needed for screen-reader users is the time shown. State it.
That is 10:49
